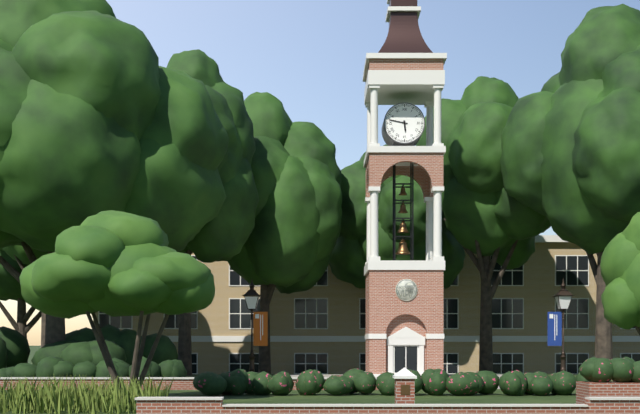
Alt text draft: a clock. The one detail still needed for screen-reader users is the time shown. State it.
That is 5:47
